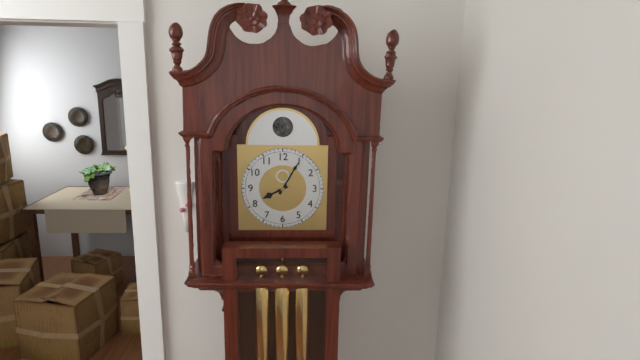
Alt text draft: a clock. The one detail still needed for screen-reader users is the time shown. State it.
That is 8:05
